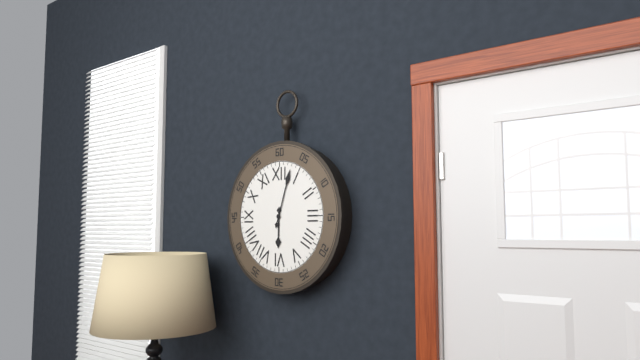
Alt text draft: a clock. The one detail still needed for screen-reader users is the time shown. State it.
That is 6:03
